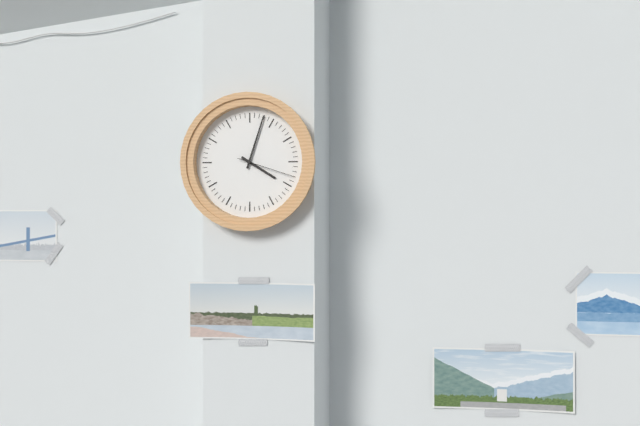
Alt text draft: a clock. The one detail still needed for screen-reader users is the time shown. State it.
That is 4:03:18
